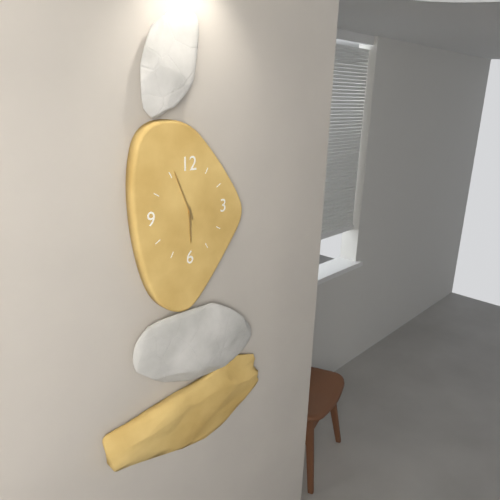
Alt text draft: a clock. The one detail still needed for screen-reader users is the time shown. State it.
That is 5:56
